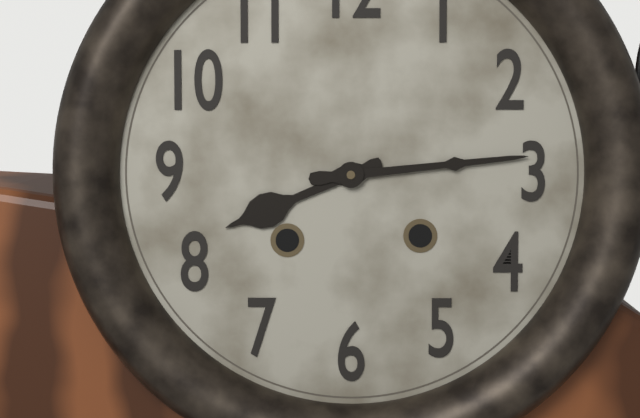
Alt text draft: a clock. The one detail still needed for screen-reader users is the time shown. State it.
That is 8:14
